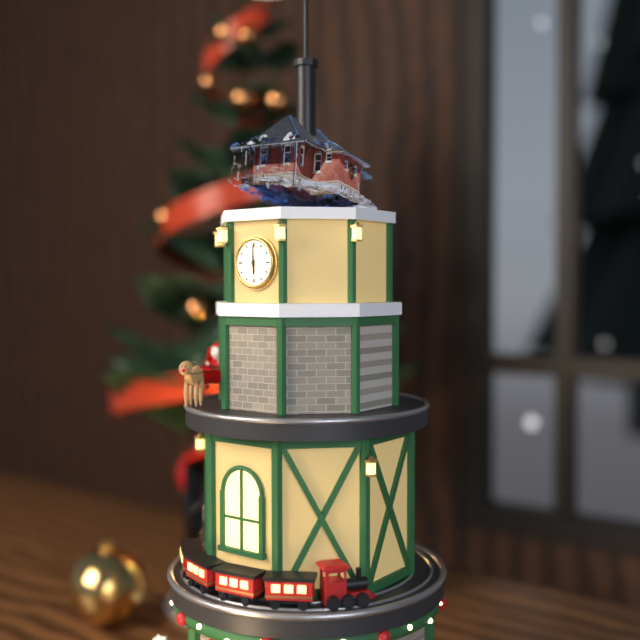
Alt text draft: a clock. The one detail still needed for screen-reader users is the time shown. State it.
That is 6:00
